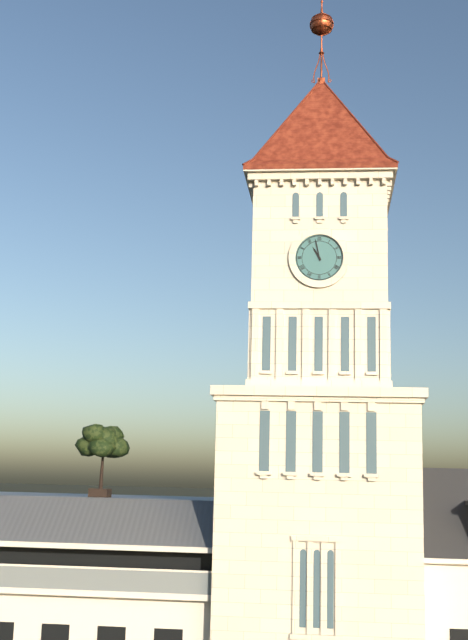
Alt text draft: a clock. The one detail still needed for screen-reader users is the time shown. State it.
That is 10:58
